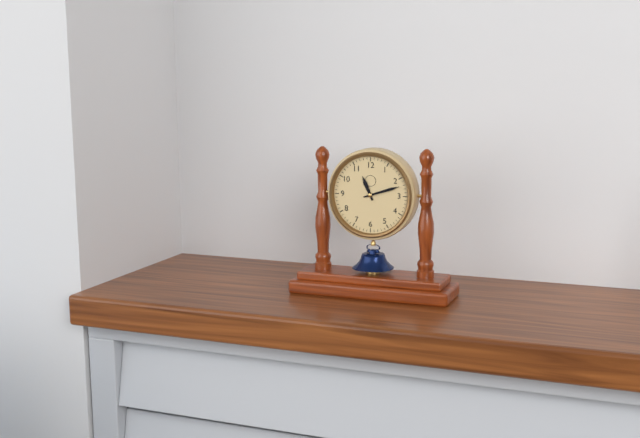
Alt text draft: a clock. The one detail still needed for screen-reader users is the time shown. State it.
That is 11:12
